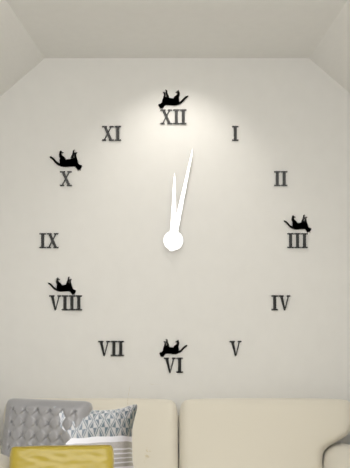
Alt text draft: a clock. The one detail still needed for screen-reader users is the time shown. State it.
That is 12:02
